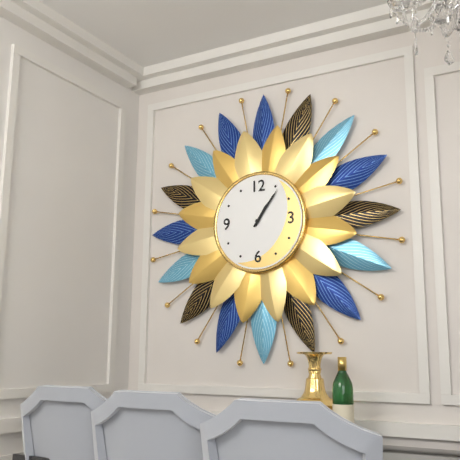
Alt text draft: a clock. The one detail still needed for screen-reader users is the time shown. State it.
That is 1:06
